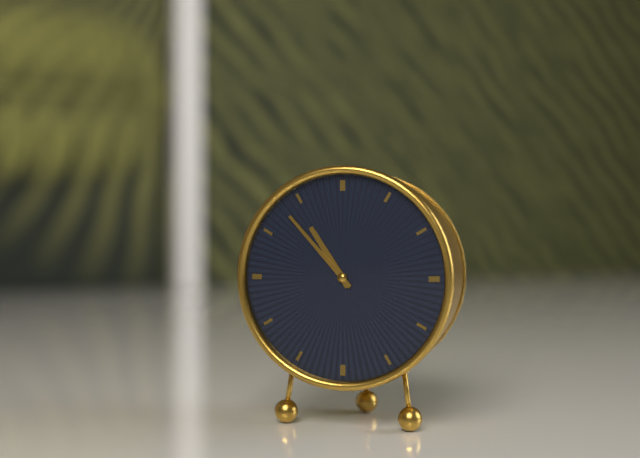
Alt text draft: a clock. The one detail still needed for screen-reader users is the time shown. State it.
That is 10:53
